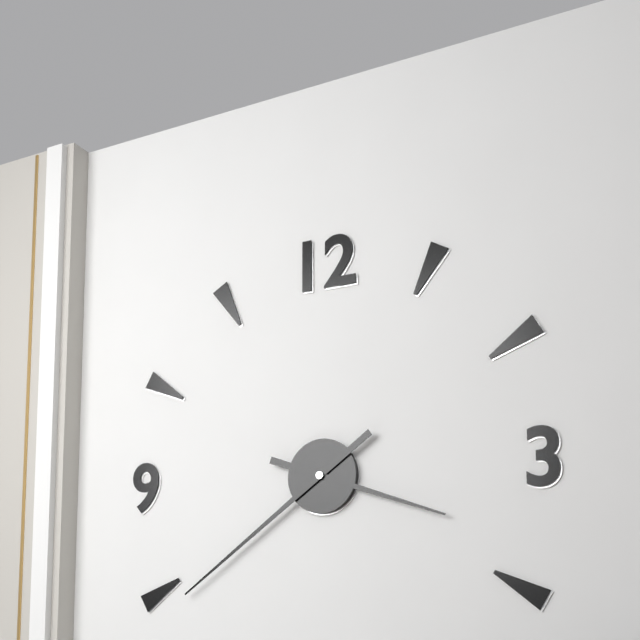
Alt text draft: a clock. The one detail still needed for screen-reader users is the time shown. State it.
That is 3:39
